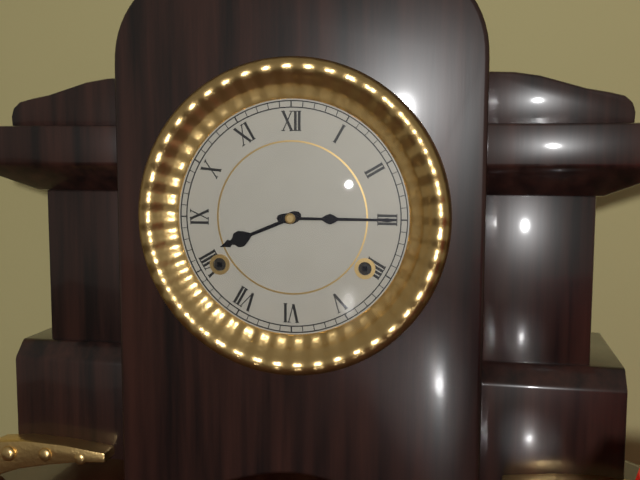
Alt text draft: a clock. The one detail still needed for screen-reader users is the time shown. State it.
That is 8:15
